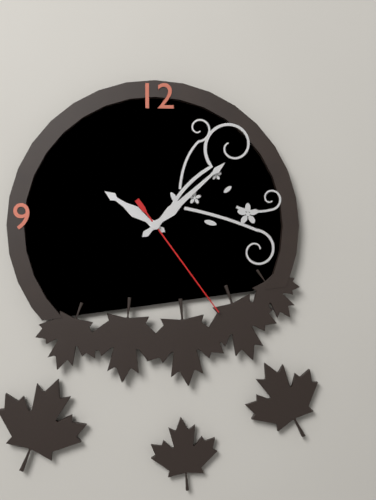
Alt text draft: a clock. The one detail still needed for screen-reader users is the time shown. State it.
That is 10:08:24
